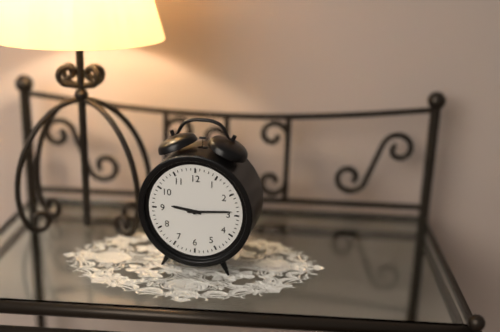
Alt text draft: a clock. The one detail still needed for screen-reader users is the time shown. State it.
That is 9:14
